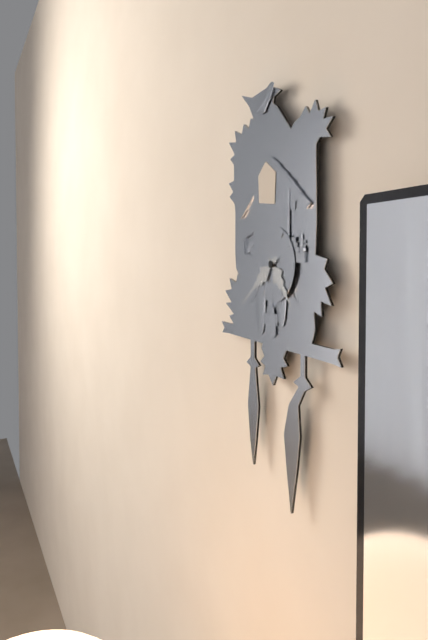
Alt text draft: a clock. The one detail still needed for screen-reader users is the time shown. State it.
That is 4:39
